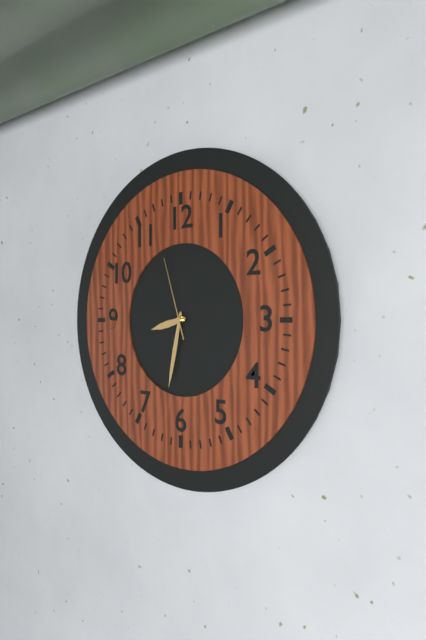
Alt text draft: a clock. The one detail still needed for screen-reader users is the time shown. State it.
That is 8:32:57
